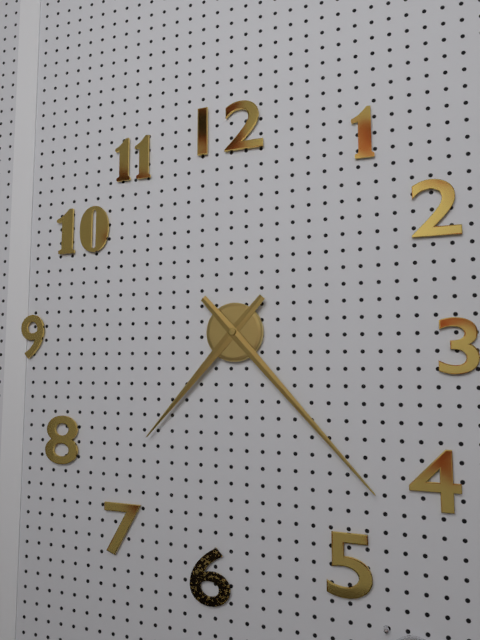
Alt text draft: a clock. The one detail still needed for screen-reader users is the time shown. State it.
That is 7:23
